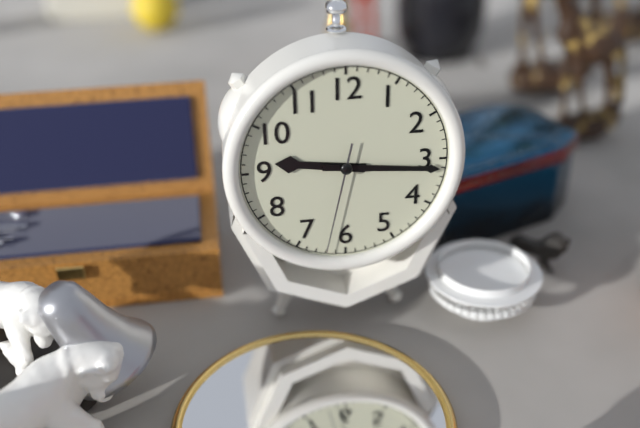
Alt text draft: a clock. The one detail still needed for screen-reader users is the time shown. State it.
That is 9:16:32
